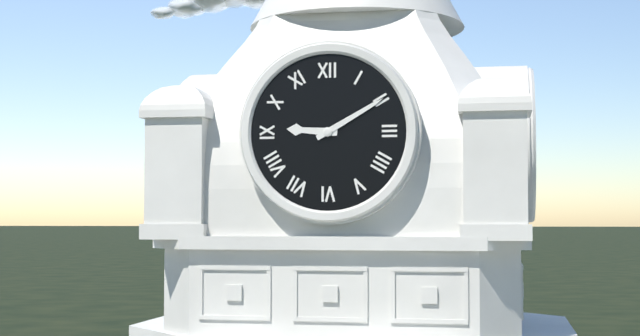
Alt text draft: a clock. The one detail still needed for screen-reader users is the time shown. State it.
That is 9:10
